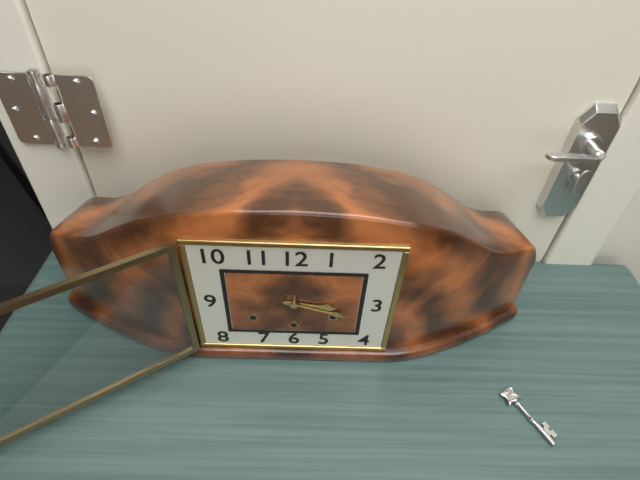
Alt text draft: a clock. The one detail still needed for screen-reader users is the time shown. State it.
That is 3:18
